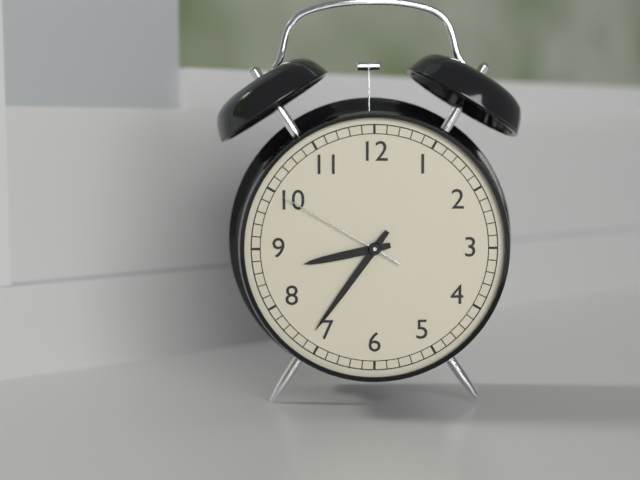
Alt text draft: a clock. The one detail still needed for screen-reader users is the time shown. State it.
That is 8:36:50
